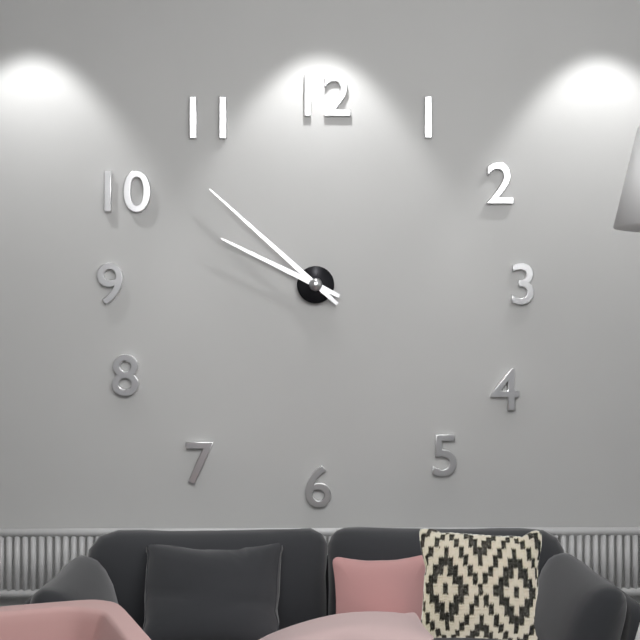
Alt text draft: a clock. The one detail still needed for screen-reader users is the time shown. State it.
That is 9:52
